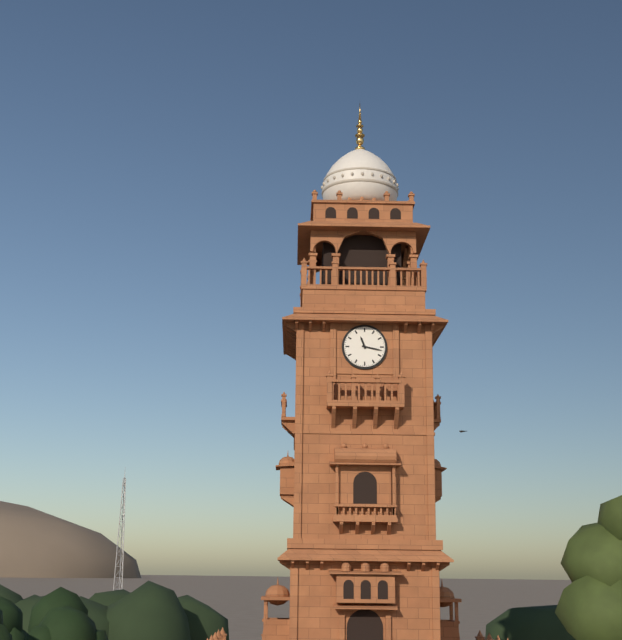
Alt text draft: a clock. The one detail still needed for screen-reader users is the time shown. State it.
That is 11:17
